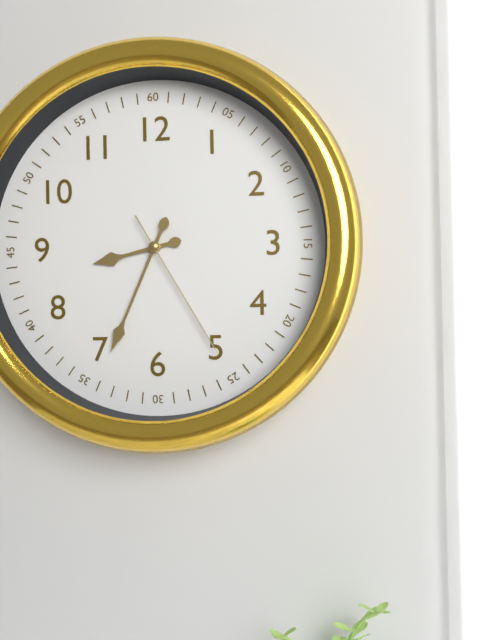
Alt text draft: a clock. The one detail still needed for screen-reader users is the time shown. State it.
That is 8:34:25
